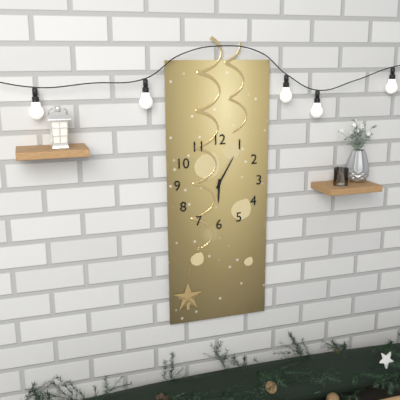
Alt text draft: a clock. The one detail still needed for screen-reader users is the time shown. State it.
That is 6:05
